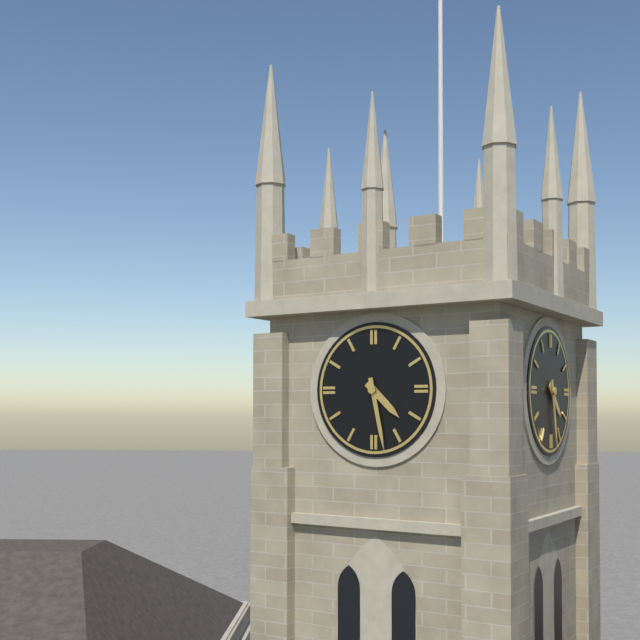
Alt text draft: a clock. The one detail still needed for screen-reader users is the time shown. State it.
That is 4:28
